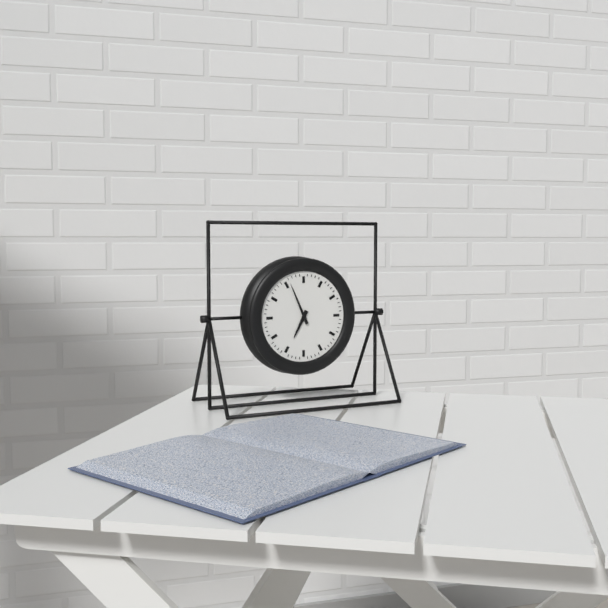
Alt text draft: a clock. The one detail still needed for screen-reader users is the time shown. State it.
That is 6:56
